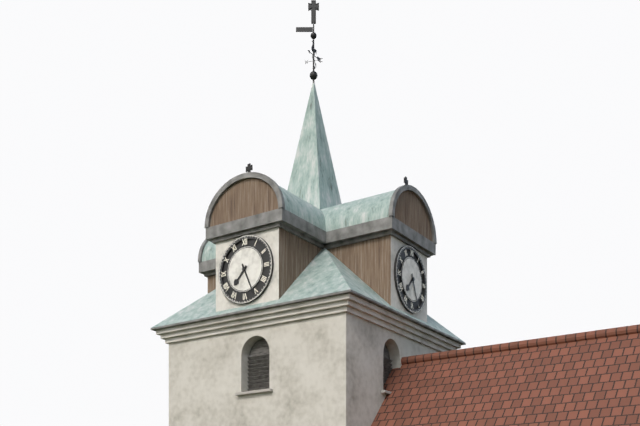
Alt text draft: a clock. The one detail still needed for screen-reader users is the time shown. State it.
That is 7:26
